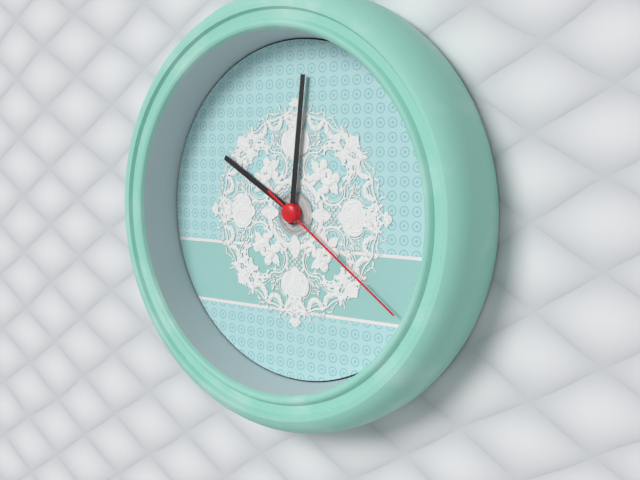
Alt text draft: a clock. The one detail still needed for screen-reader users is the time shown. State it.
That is 10:01:21
